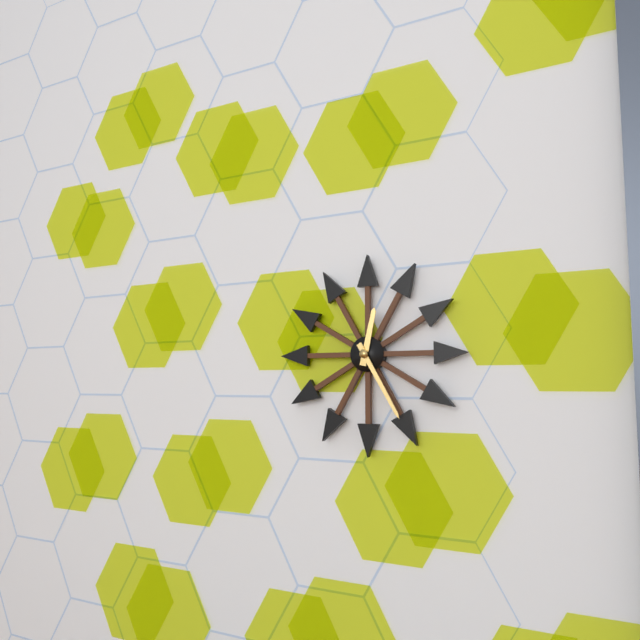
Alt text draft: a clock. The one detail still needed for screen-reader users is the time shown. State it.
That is 12:25
